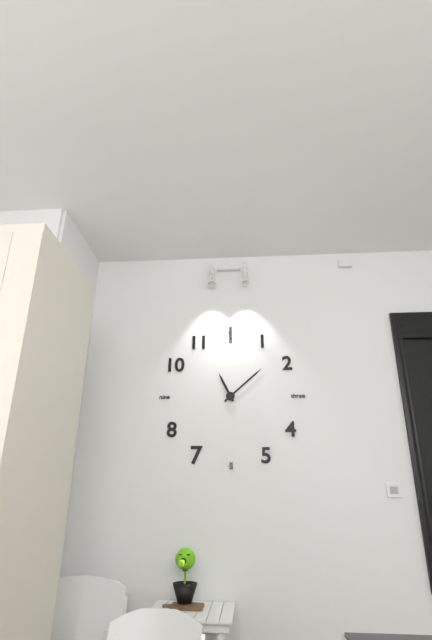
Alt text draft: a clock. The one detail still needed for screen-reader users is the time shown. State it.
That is 11:08
